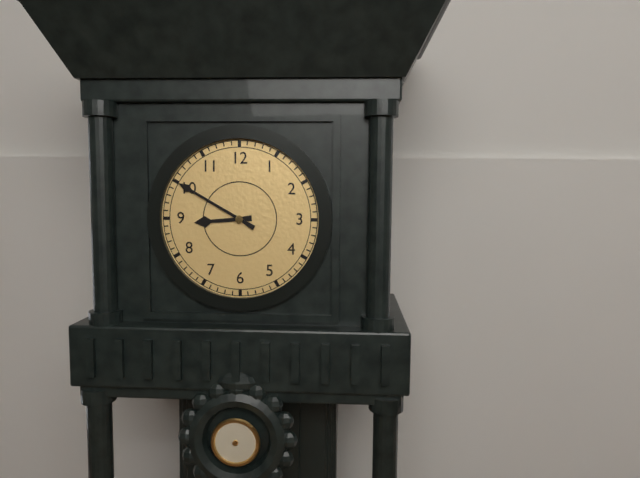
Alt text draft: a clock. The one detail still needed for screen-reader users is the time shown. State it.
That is 8:50
